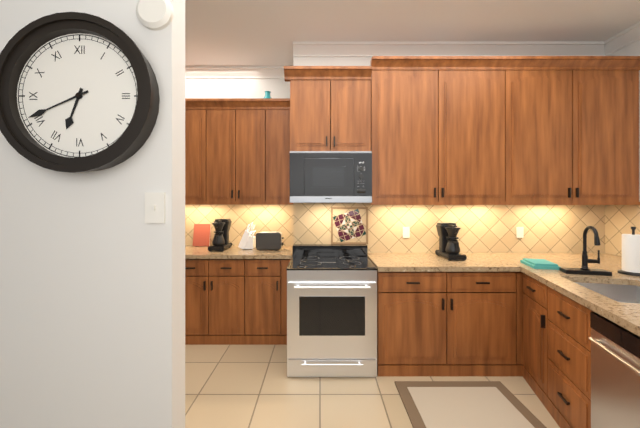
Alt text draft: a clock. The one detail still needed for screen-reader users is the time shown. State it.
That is 6:41
